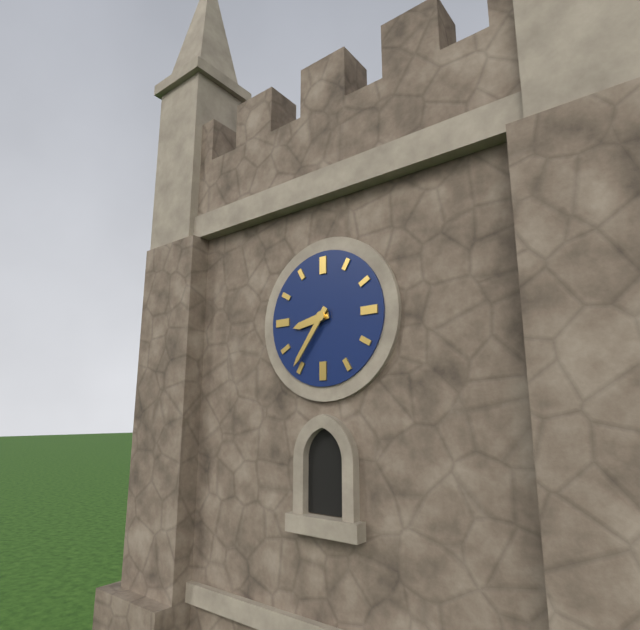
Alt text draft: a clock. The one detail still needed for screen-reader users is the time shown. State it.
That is 8:36
